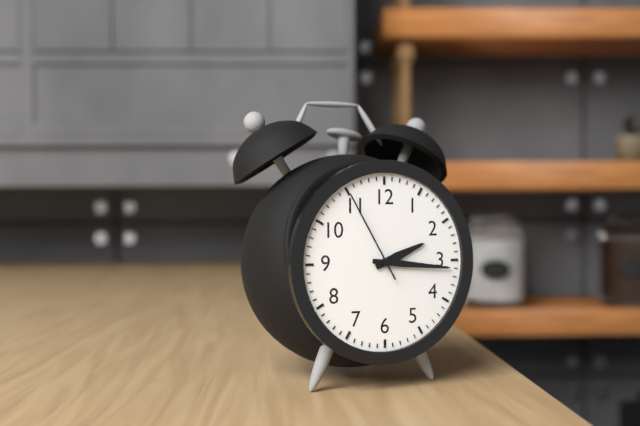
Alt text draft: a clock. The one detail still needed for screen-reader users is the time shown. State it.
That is 2:16:55
